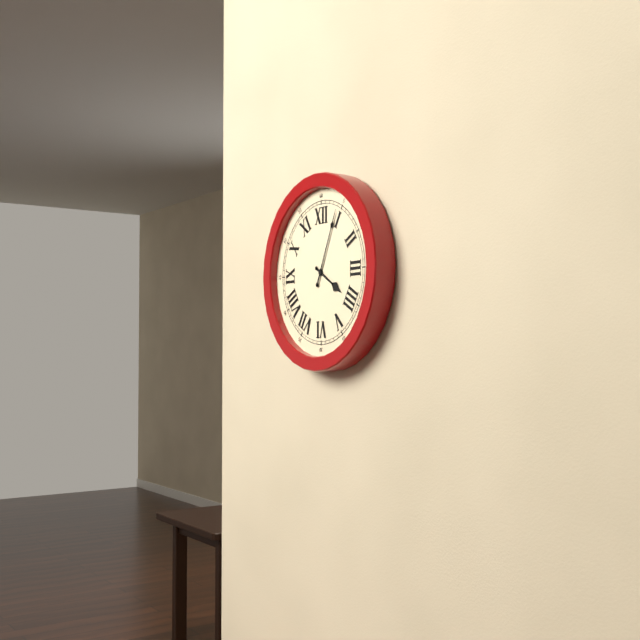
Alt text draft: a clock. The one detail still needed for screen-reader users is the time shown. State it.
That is 4:04
